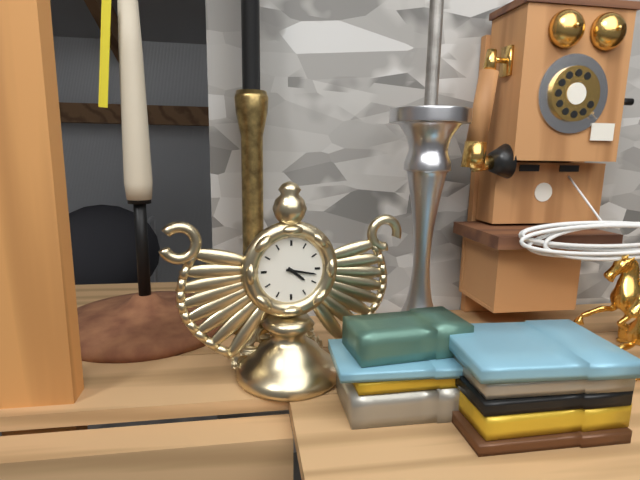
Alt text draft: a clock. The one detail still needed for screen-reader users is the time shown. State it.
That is 4:17
